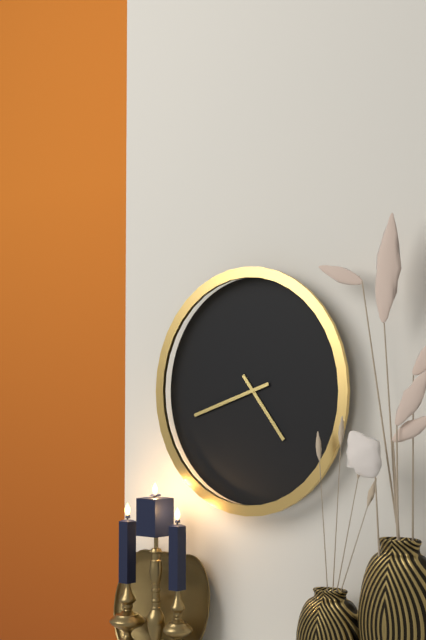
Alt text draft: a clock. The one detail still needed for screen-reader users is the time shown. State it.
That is 4:42
